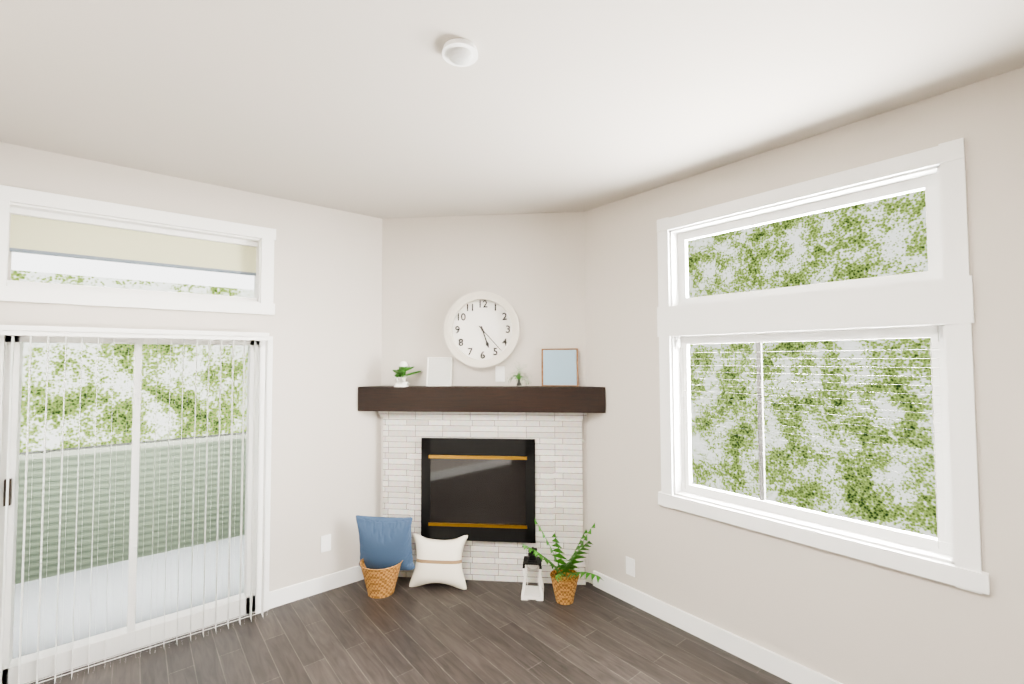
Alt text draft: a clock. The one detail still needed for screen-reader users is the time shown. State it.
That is 5:23
